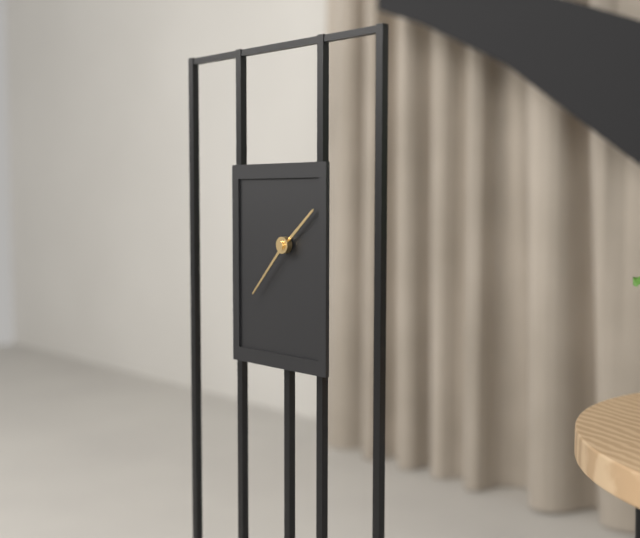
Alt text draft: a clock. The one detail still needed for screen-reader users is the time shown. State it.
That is 1:37
